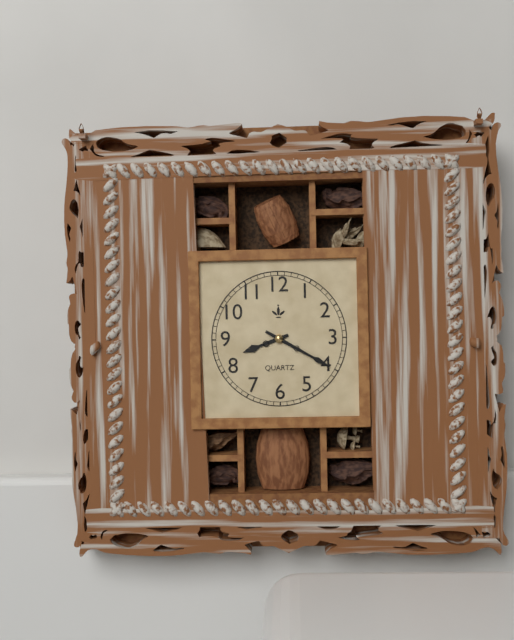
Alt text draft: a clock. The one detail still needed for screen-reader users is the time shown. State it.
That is 8:20
